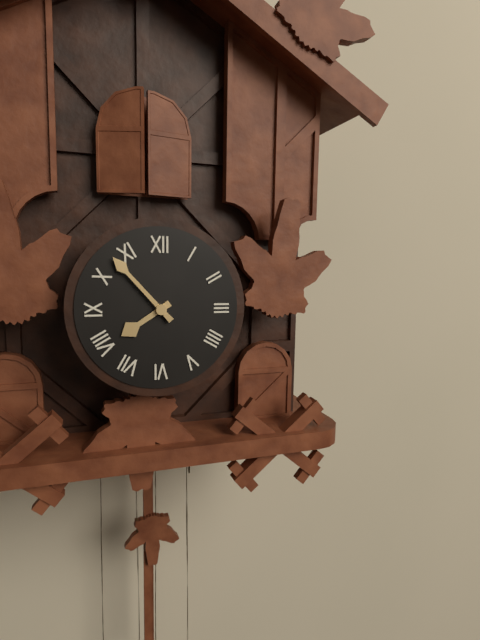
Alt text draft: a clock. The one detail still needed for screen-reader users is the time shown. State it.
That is 7:53
